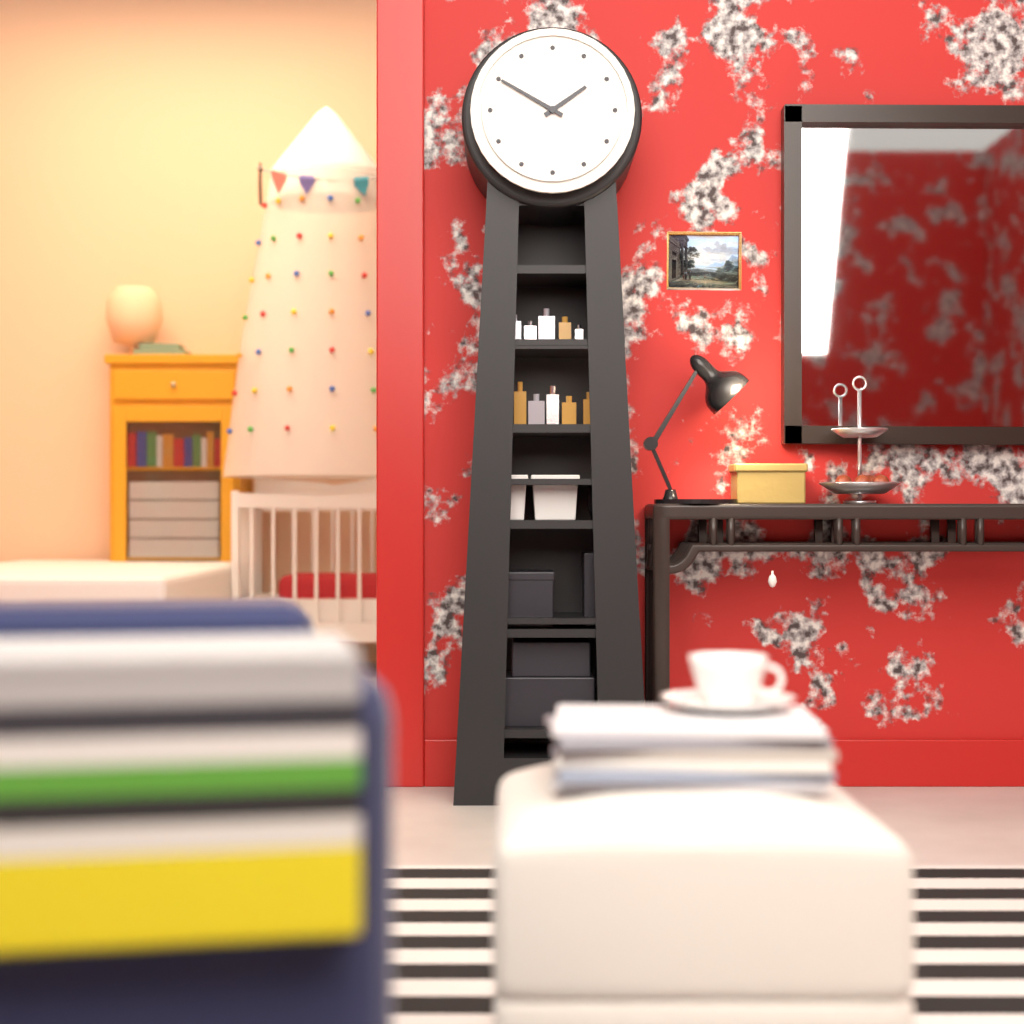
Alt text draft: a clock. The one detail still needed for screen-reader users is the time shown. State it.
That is 1:50
